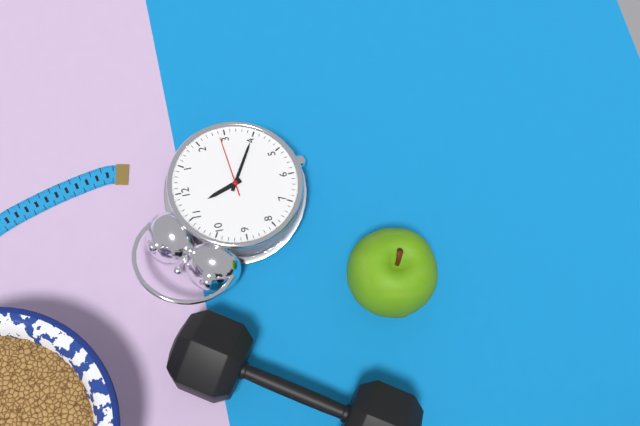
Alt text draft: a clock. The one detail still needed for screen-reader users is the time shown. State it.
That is 11:20:14
